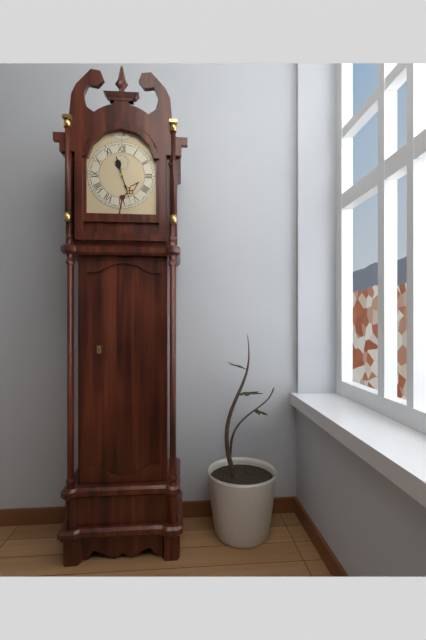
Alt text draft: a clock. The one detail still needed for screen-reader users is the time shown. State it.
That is 11:27
